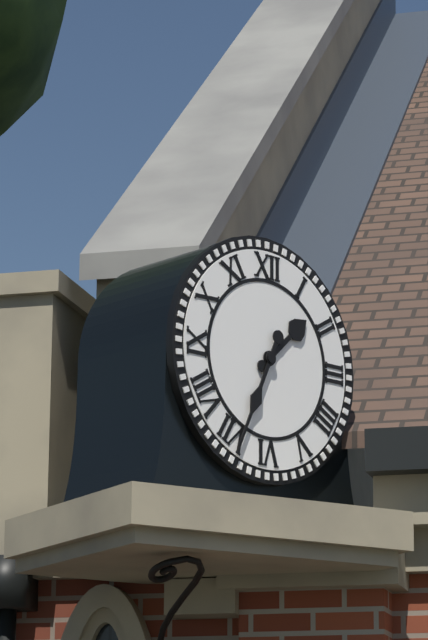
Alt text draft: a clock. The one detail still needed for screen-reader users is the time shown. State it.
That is 1:34
